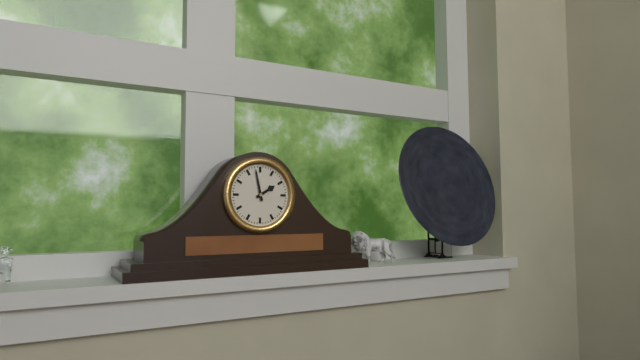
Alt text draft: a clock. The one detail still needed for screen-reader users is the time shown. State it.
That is 1:58
